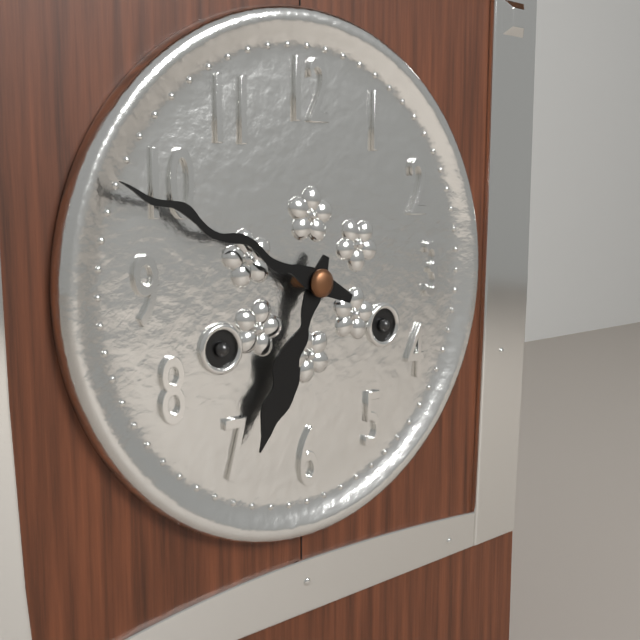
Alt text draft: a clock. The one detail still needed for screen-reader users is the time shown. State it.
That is 6:49
